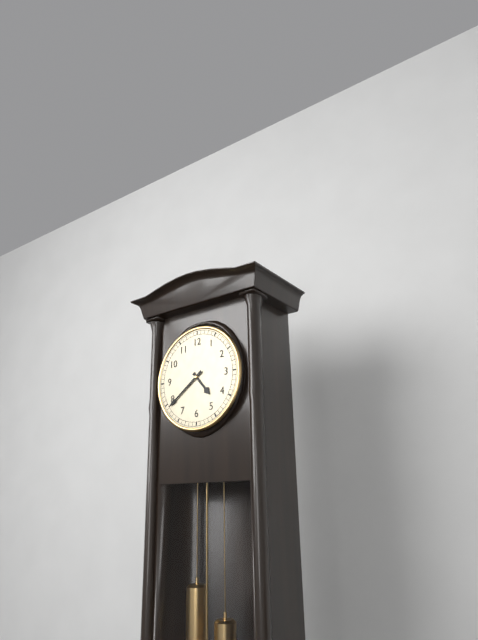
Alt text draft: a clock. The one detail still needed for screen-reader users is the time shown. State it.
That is 4:39
